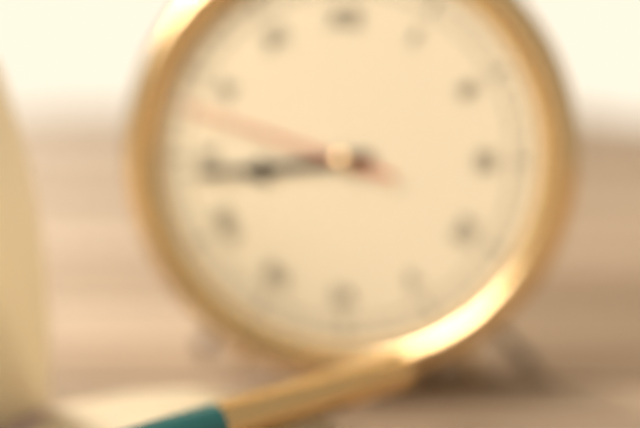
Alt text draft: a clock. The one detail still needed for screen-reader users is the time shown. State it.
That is 8:44:48
